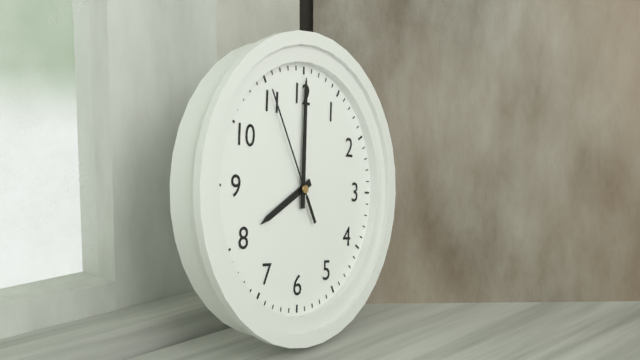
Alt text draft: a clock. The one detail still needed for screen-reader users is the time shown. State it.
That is 8:00:55
